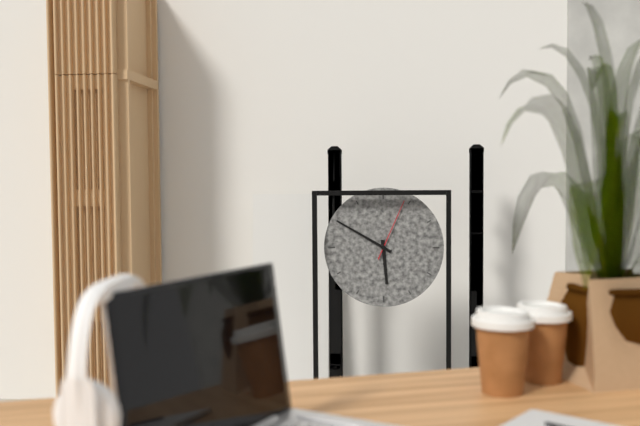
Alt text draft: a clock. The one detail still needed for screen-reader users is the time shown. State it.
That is 5:50:04
